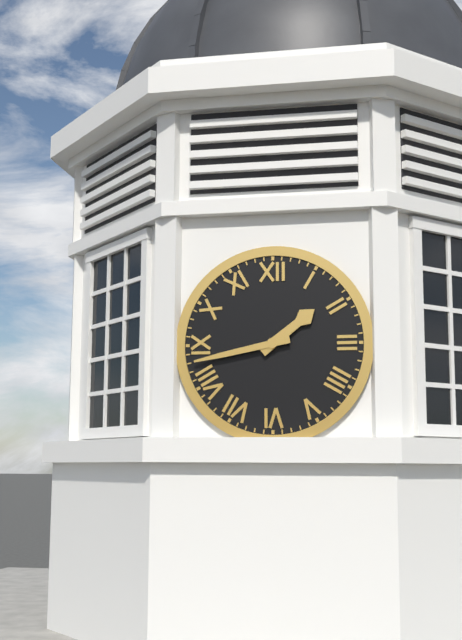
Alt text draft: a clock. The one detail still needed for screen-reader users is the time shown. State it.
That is 1:43
